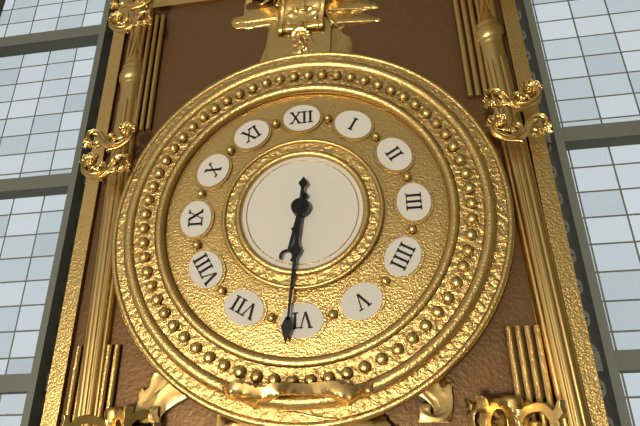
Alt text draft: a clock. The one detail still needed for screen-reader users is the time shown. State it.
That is 6:31
